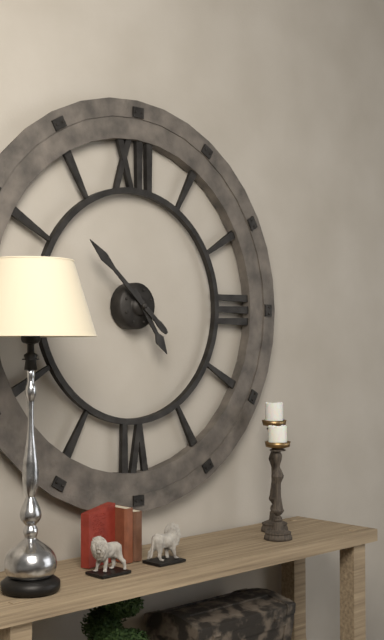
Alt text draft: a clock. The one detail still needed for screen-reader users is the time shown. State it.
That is 4:52
